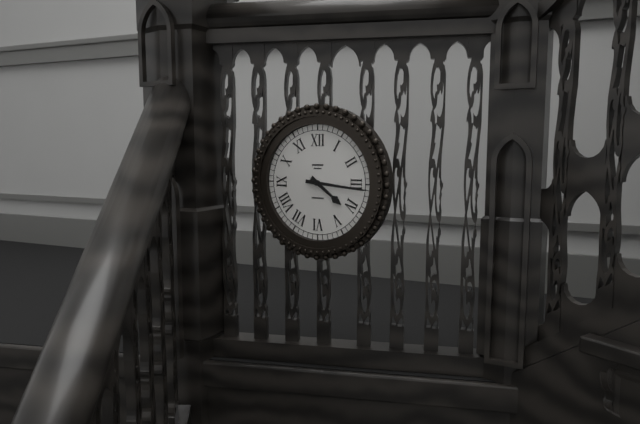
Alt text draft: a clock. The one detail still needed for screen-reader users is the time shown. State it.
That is 4:16
